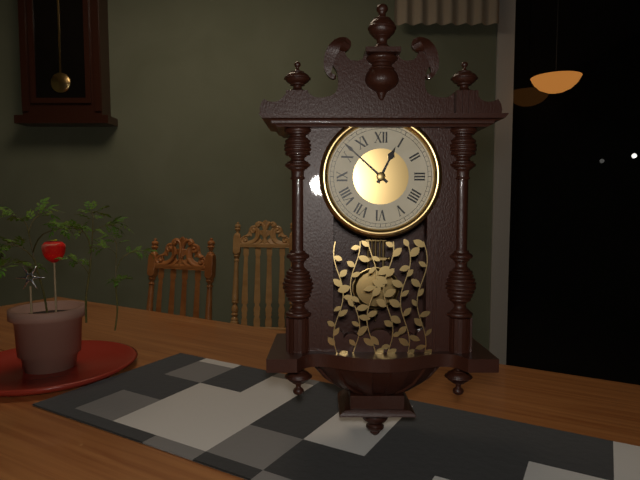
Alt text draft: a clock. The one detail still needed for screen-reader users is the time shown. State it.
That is 12:52
